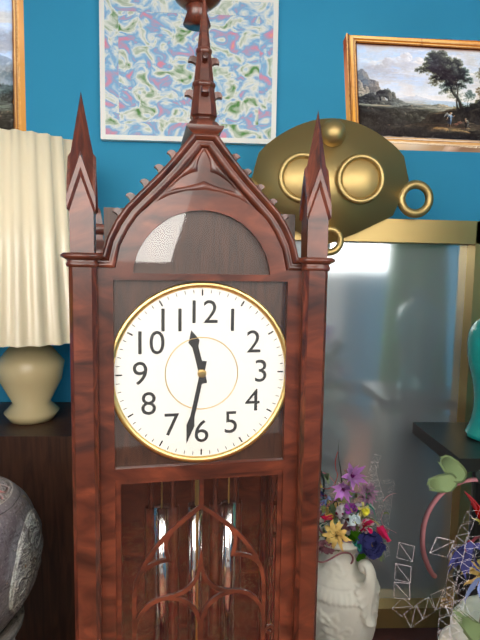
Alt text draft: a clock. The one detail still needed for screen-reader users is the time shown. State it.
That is 11:32
